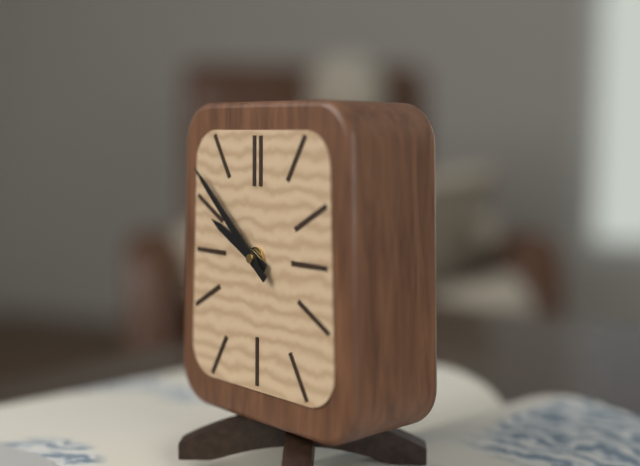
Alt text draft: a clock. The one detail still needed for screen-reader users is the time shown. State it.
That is 9:52
